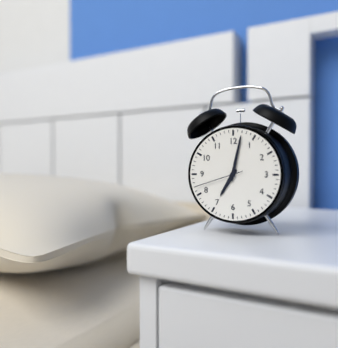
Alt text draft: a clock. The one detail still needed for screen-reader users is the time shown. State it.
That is 7:02:42
